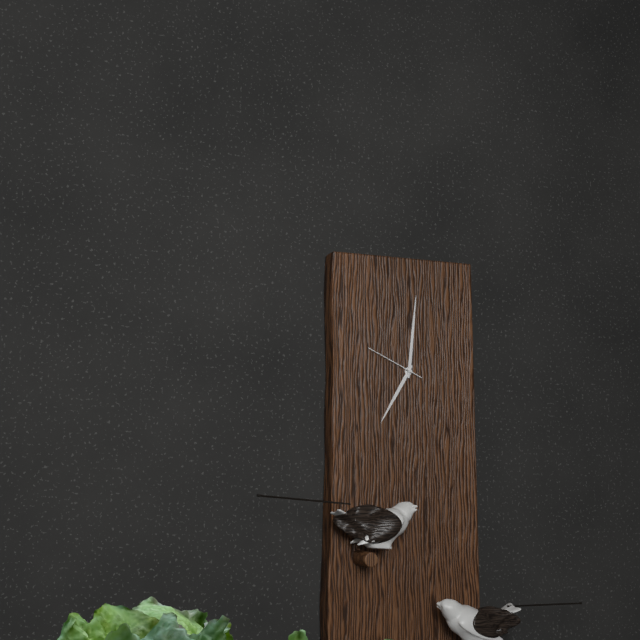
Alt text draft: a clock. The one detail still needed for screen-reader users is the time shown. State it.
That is 7:01:49
